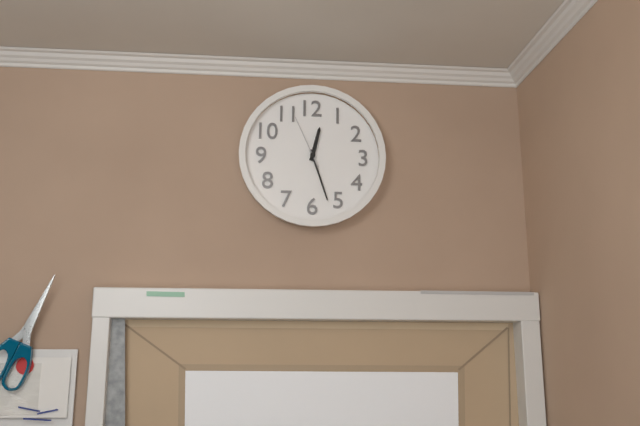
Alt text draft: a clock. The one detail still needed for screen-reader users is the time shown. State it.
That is 12:27:56
